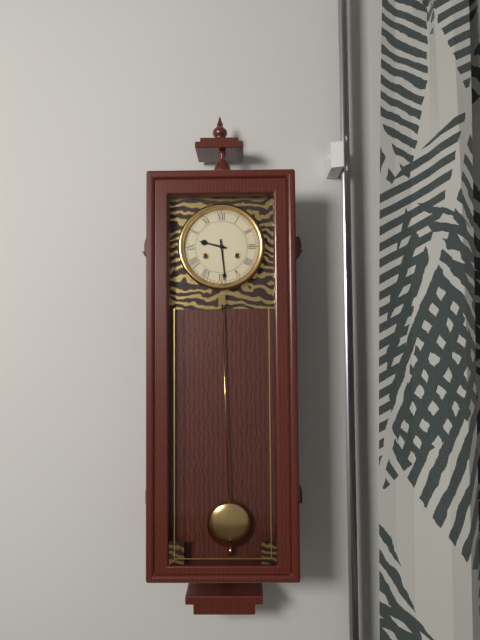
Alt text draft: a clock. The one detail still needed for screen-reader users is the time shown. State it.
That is 9:29
